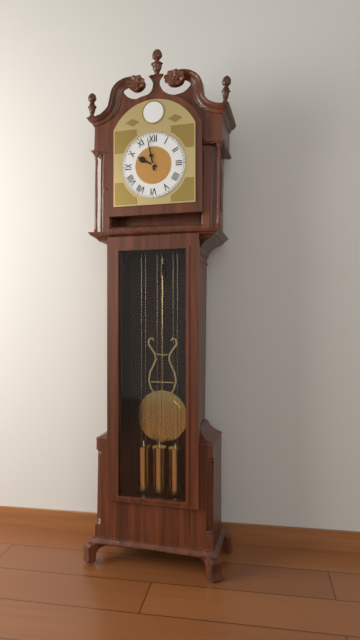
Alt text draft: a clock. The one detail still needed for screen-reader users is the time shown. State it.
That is 9:58
